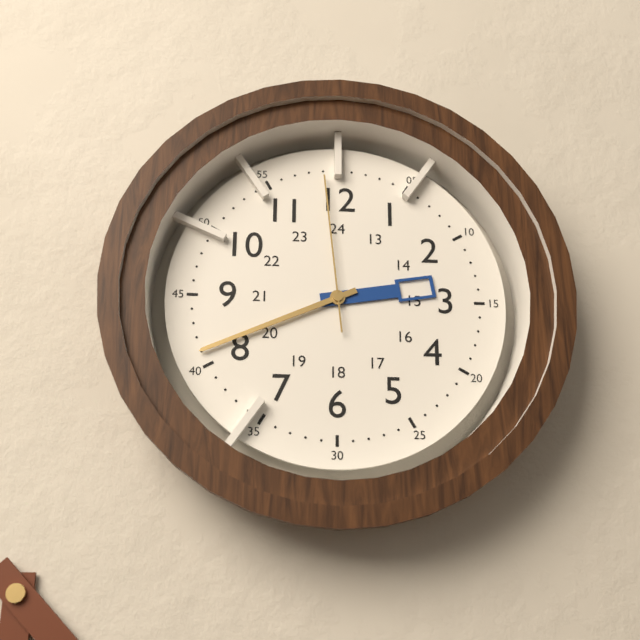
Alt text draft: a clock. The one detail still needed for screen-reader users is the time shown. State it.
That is 2:41:59
